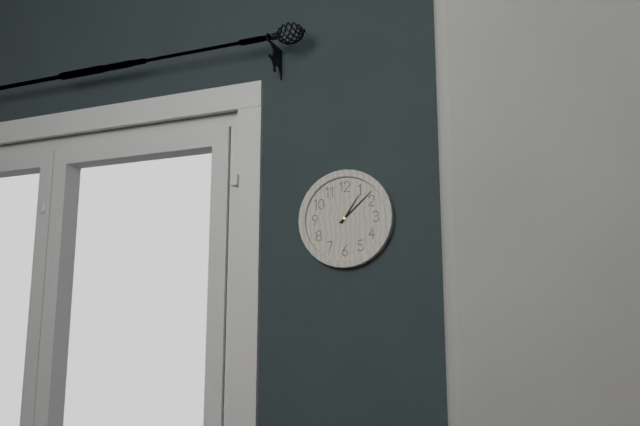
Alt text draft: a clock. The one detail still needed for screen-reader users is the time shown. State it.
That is 1:08
